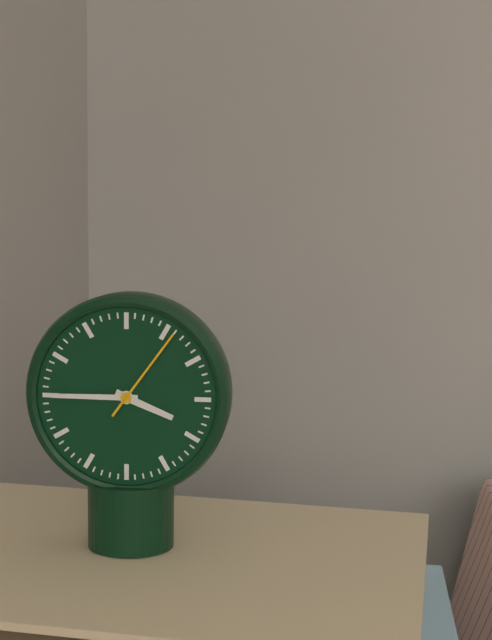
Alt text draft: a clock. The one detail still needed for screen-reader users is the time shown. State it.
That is 3:45:06
